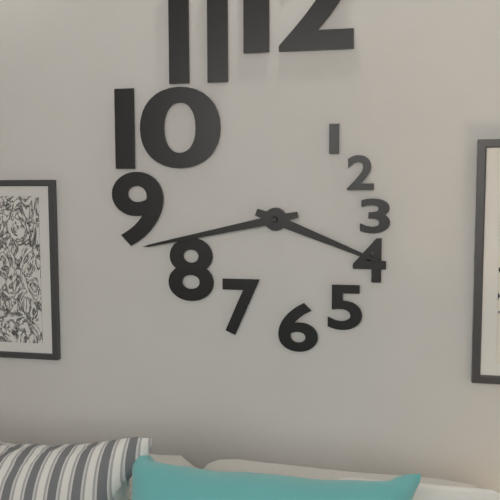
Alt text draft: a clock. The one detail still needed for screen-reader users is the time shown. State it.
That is 3:43
